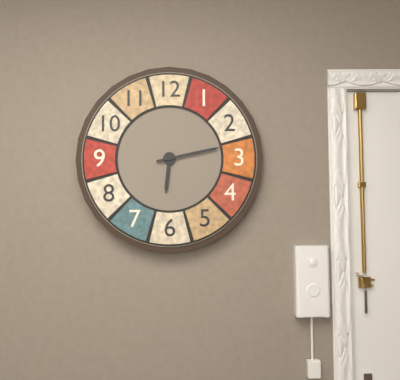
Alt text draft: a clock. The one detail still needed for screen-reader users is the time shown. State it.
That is 6:13
